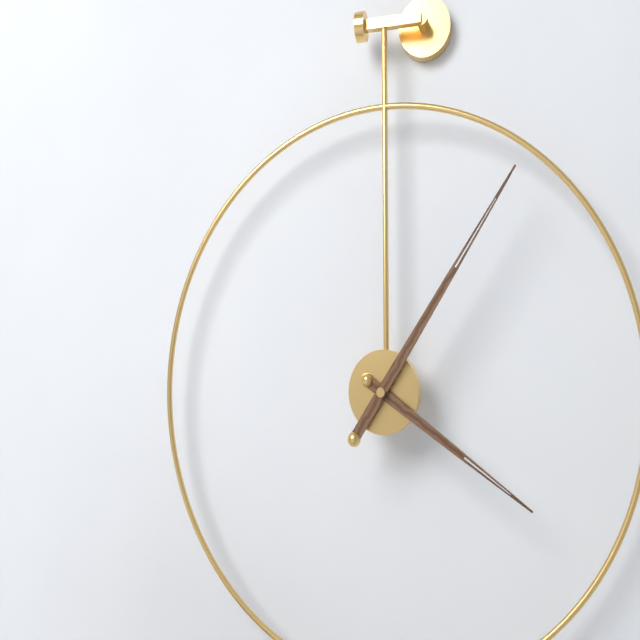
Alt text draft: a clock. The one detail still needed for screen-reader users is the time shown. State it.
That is 4:06
